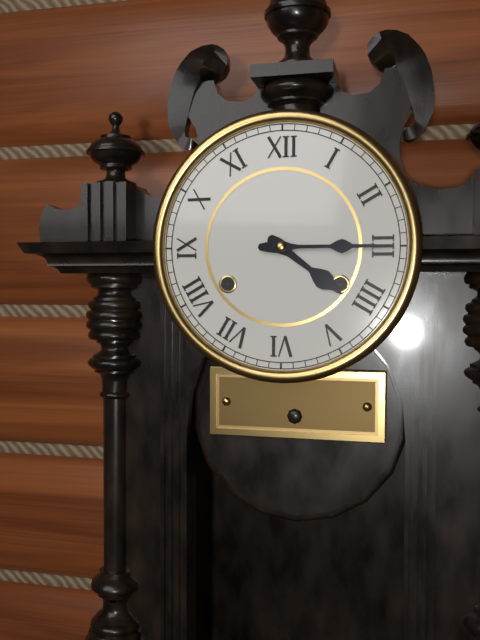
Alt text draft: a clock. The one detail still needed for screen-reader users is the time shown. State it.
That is 4:15
